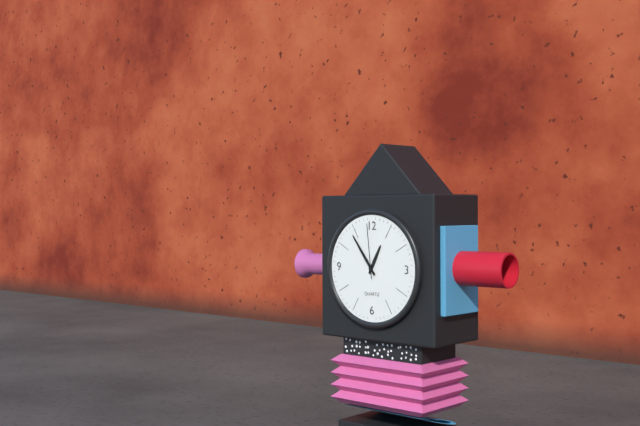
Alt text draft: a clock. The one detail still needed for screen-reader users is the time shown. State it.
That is 12:54:59
